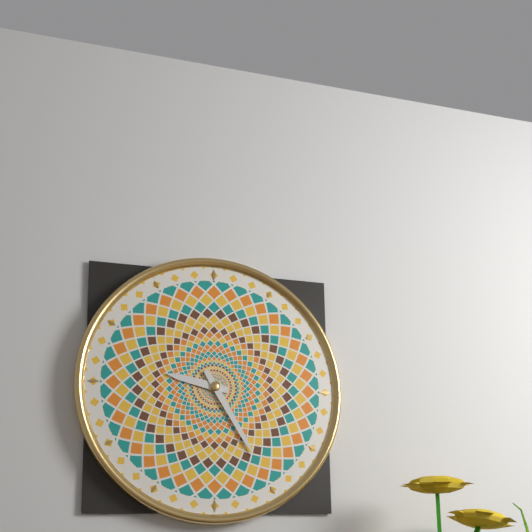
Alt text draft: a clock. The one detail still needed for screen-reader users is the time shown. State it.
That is 9:25
